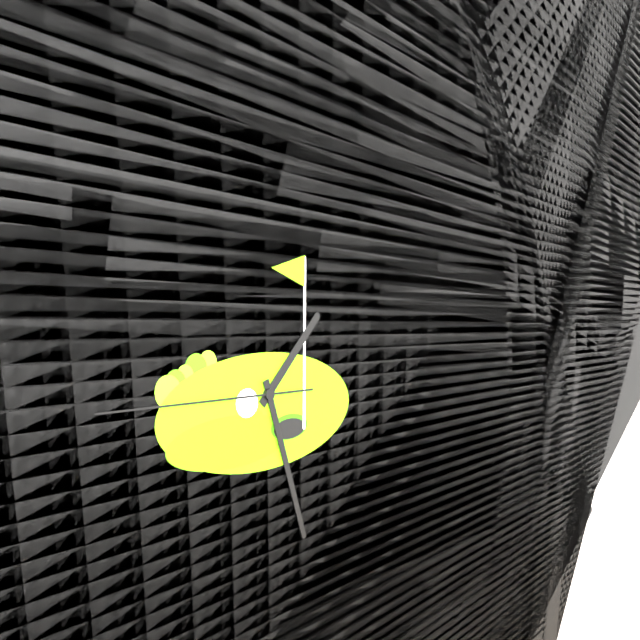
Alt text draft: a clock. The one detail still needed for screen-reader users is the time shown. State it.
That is 1:27:45
